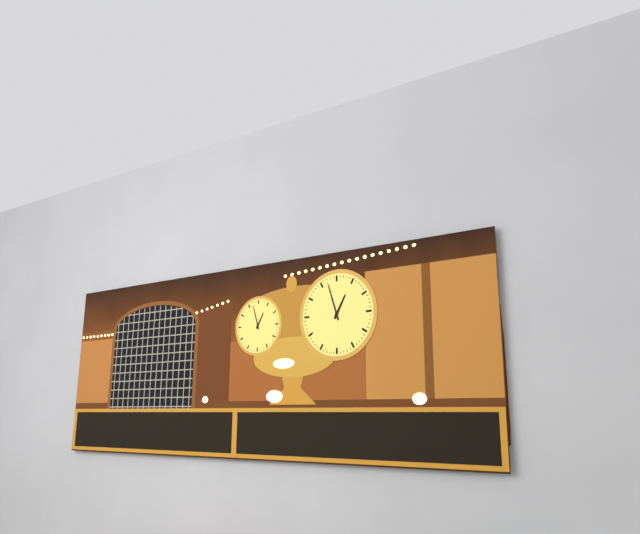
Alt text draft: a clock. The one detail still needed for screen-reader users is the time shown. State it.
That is 12:57
